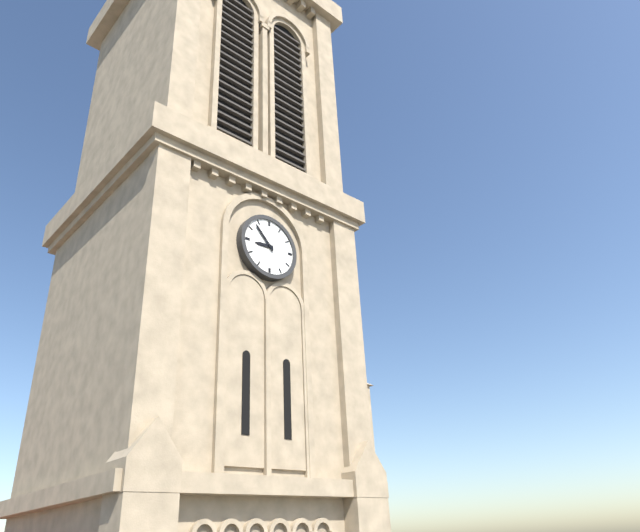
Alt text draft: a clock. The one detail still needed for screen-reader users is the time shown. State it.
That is 8:53
